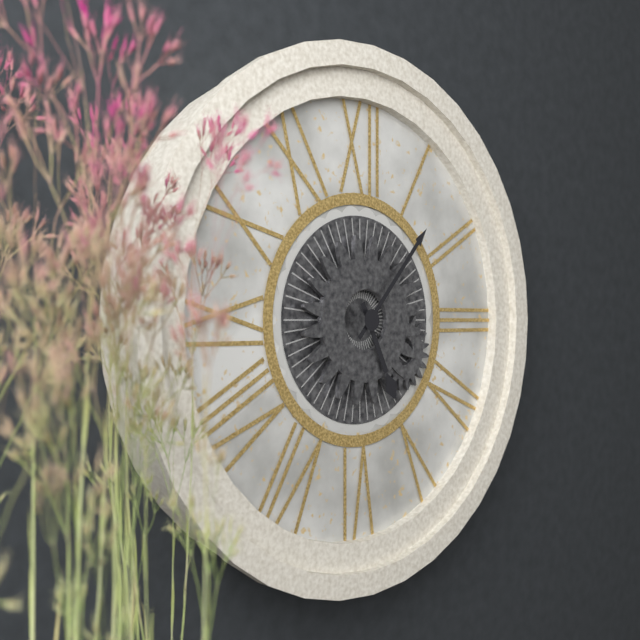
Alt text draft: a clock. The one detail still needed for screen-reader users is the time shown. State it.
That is 5:07
